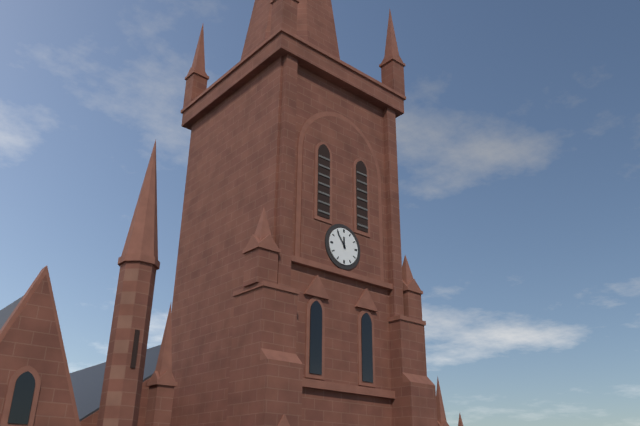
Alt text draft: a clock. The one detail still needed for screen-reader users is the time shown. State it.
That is 11:54
